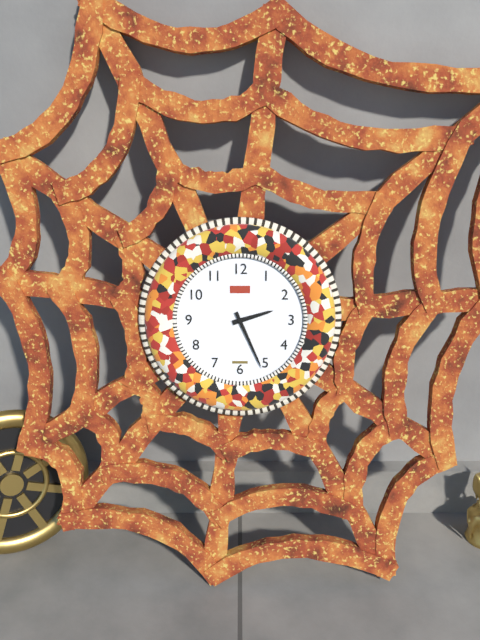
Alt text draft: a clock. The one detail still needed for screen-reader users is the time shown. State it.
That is 2:26
